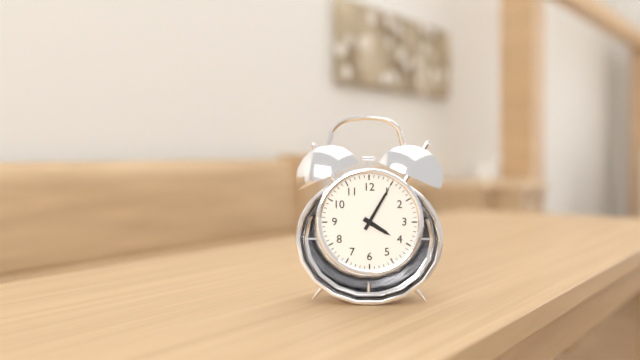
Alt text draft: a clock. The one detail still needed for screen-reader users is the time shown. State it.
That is 4:05
